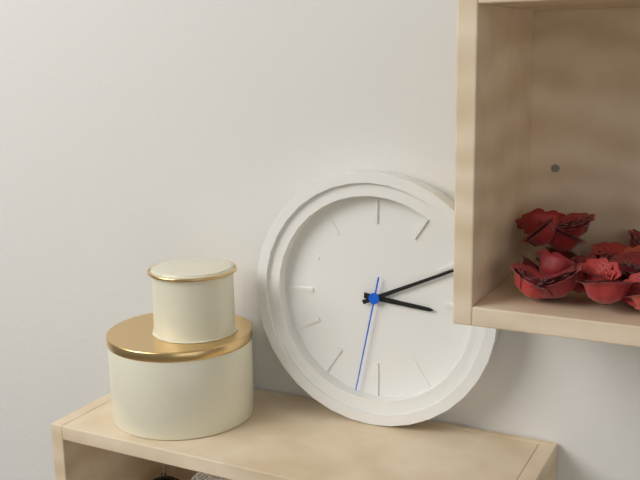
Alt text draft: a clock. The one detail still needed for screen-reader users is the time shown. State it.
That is 3:11:32
